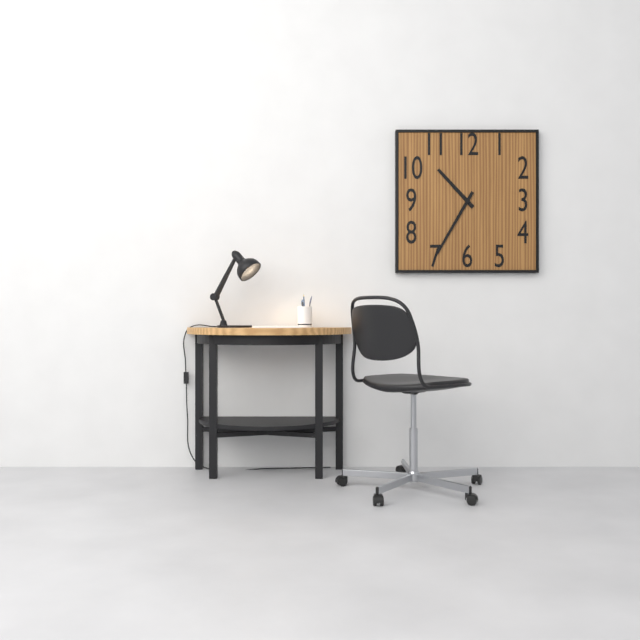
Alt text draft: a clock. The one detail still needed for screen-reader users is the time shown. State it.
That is 10:35
